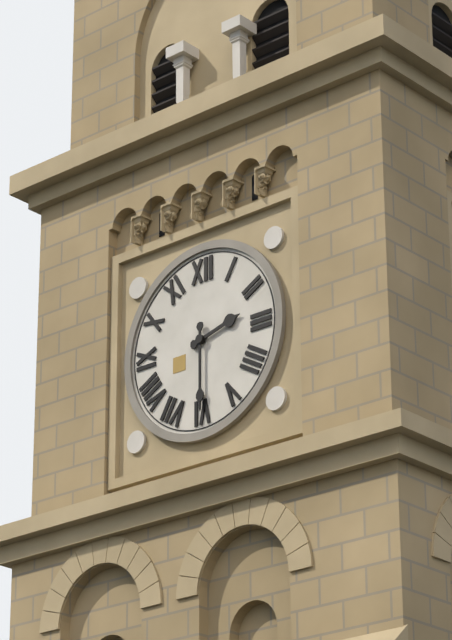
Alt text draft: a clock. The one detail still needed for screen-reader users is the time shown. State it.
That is 2:30
